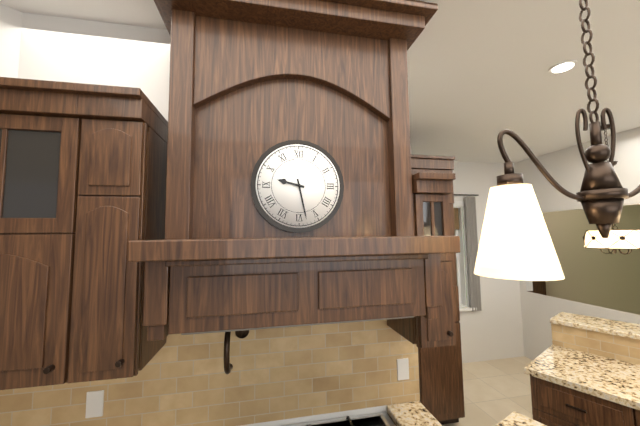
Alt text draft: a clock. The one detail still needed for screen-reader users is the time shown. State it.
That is 9:28
